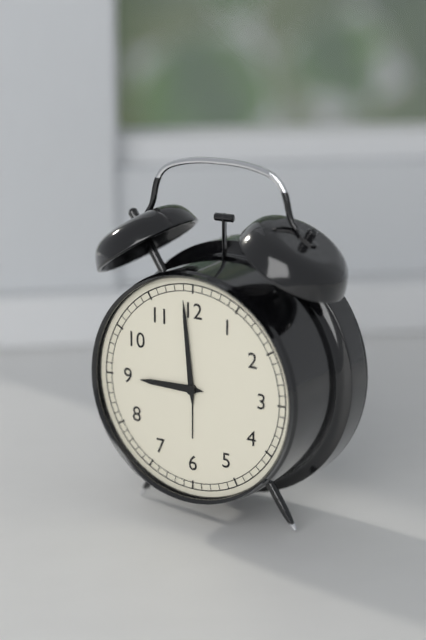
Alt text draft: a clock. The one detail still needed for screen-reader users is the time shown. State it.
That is 8:59
